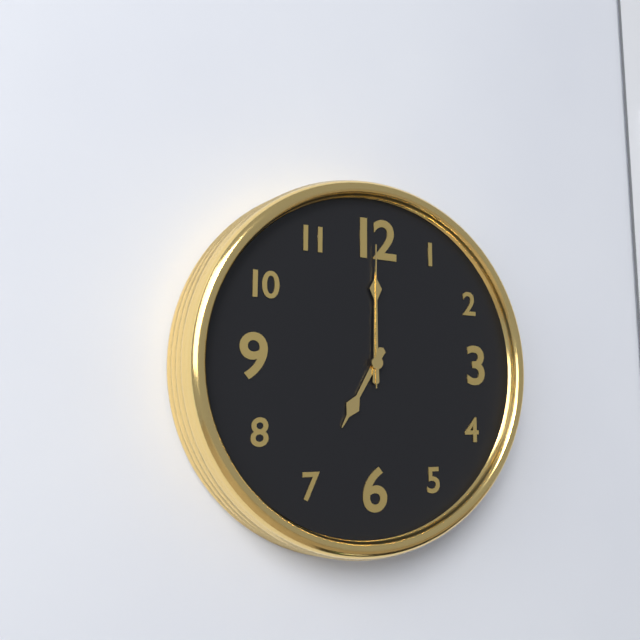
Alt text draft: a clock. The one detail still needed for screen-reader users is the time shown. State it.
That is 7:00:00
